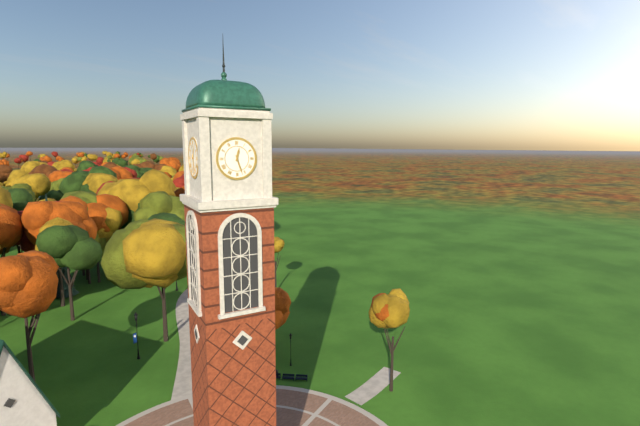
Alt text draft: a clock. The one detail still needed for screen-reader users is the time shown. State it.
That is 12:27
